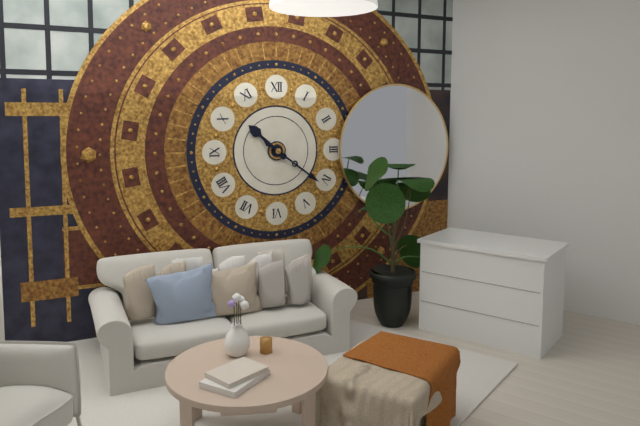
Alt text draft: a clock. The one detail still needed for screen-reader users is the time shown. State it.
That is 10:21
